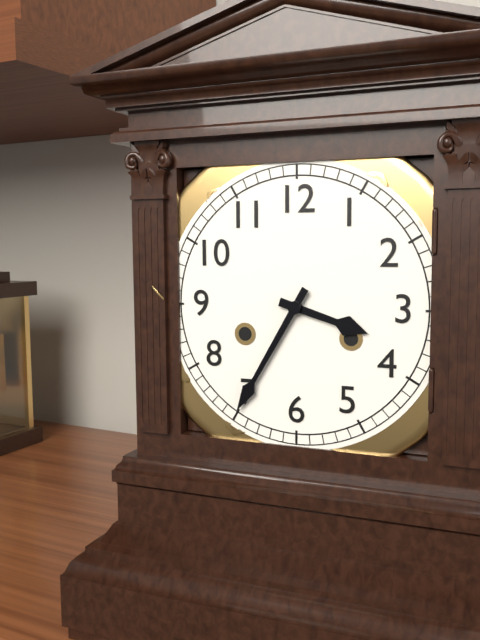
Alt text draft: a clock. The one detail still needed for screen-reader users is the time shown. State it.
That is 3:35
